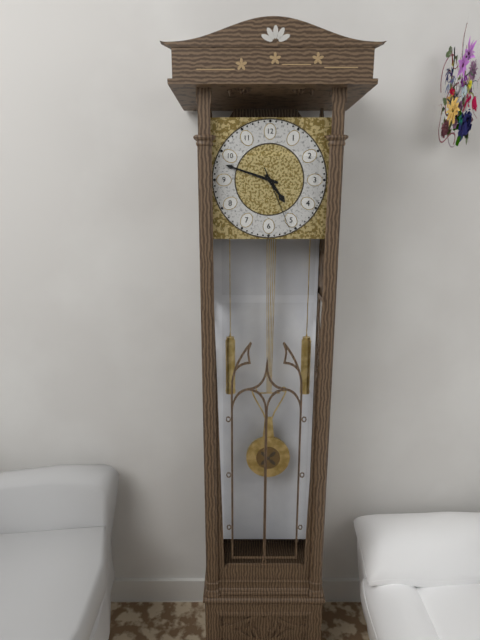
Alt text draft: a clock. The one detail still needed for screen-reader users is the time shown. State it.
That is 4:48:26
